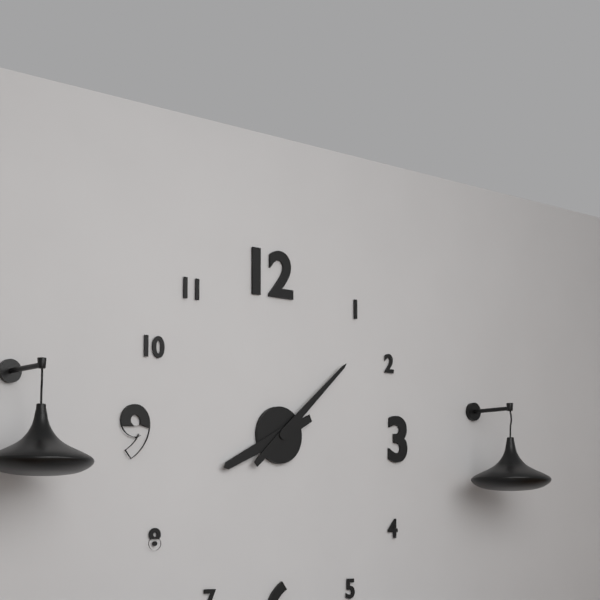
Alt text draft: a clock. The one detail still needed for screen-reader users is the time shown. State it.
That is 8:08
